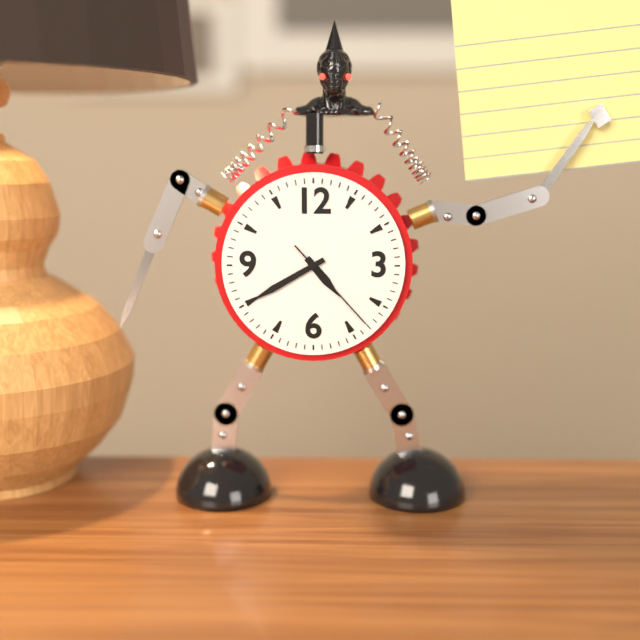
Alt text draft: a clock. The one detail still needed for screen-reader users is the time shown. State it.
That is 4:40:23
